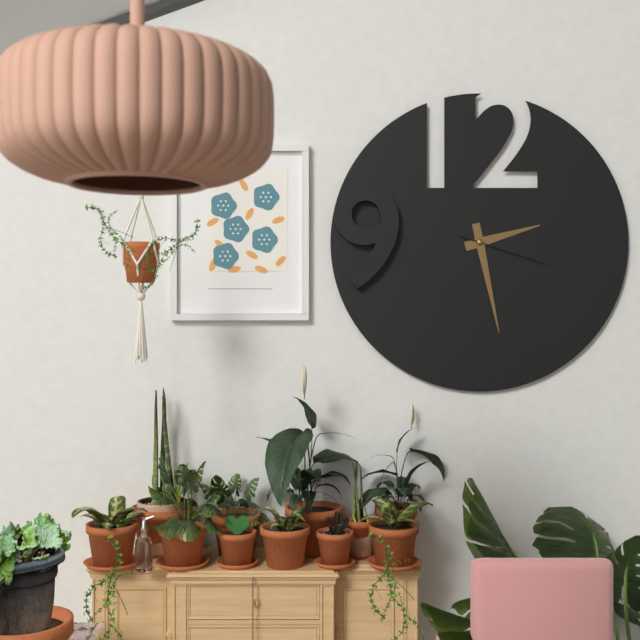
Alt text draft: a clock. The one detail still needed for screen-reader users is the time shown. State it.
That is 2:28:18
